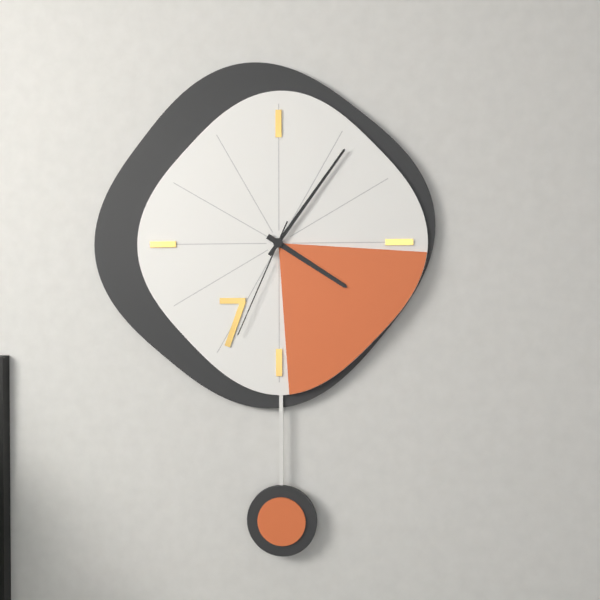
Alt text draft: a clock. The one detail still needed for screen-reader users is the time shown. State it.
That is 4:06:34
